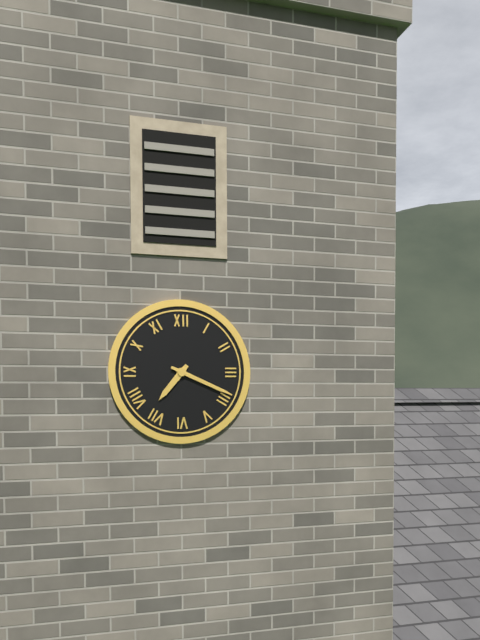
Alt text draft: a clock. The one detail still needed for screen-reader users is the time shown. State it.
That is 7:19
